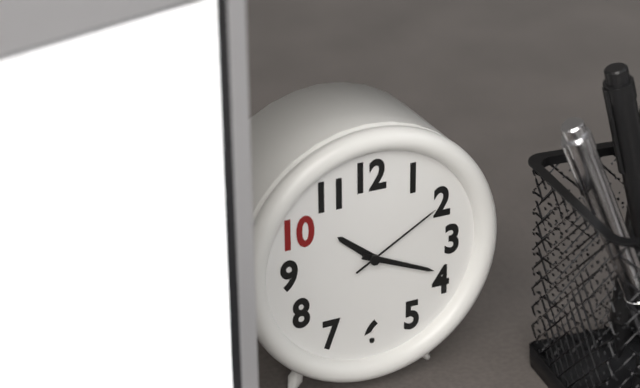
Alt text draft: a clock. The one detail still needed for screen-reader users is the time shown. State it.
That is 10:19:10
